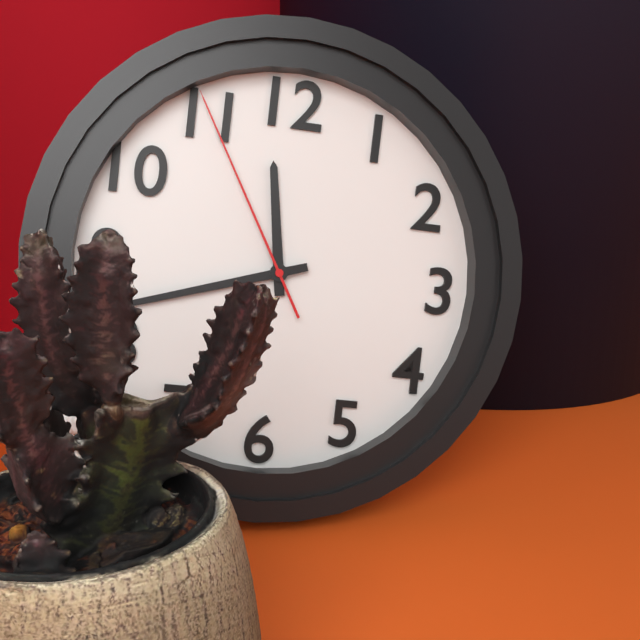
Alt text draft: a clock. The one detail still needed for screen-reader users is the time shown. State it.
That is 11:42:55
